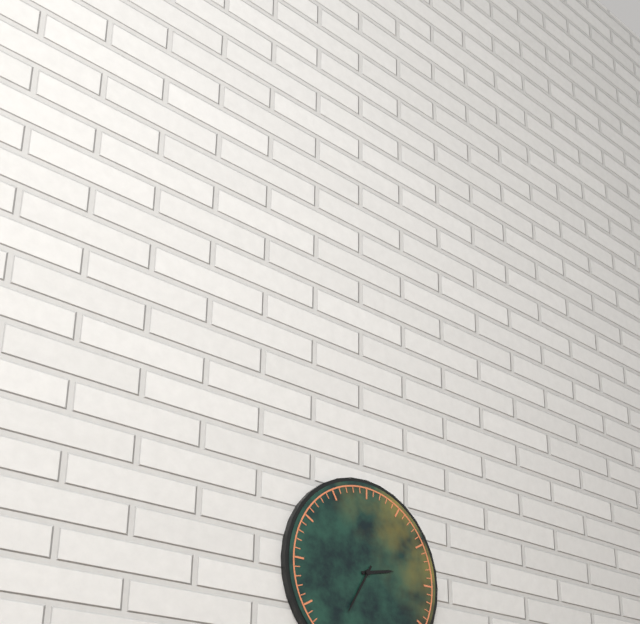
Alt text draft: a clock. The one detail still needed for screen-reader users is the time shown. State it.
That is 2:35
